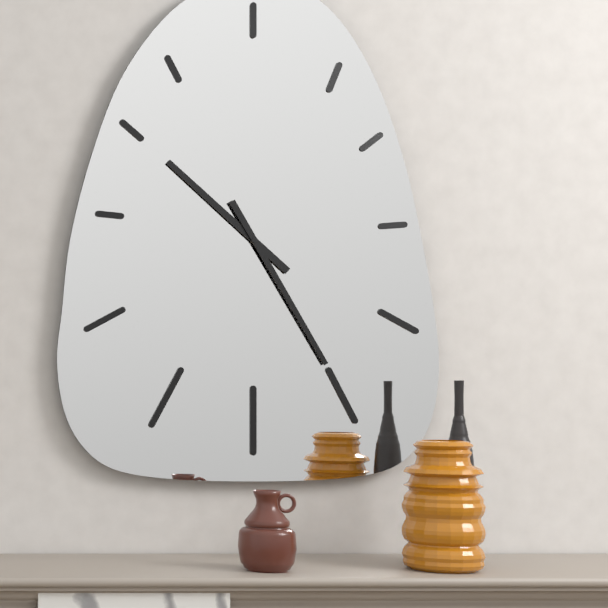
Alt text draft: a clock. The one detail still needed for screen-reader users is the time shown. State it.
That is 10:25
